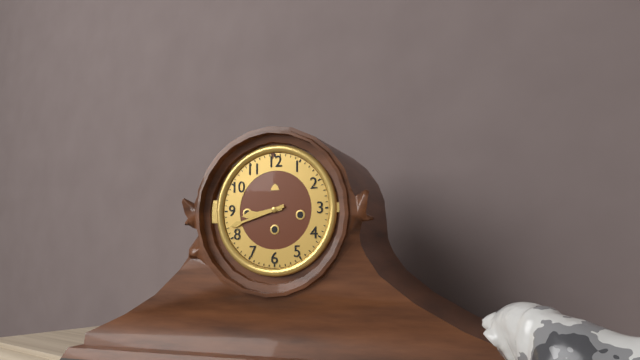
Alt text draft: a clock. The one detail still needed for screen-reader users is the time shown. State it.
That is 8:42
